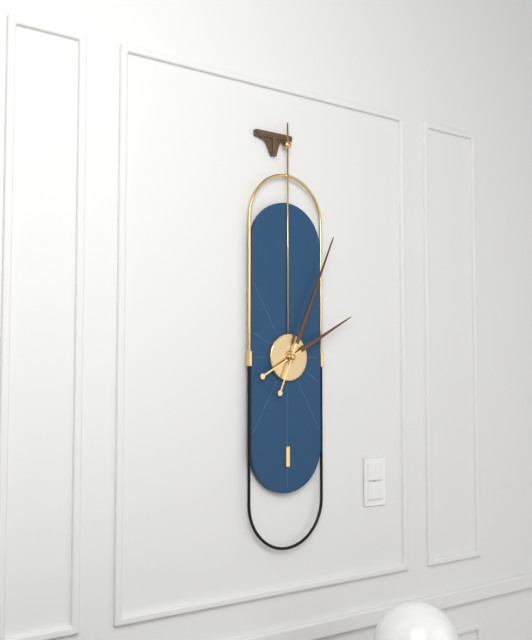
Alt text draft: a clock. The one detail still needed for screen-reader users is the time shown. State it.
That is 2:04
